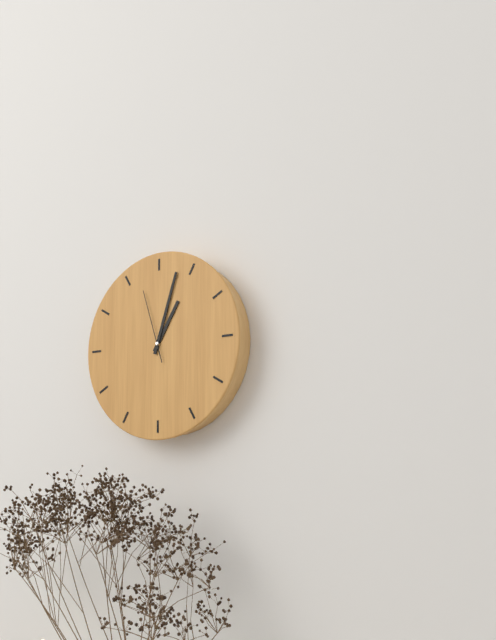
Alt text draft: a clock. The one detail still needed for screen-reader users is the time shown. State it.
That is 1:03:57
